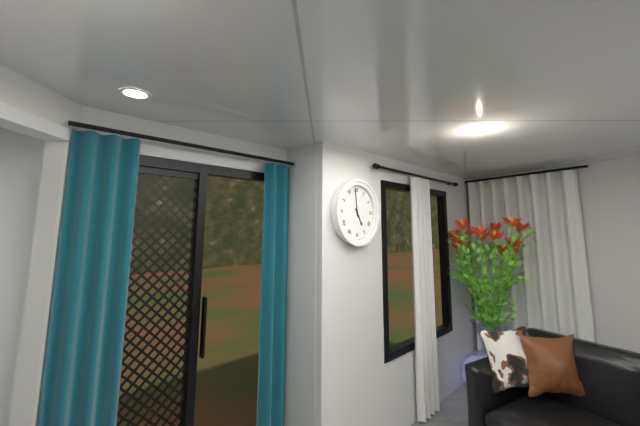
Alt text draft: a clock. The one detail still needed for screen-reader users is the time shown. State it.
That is 4:59
